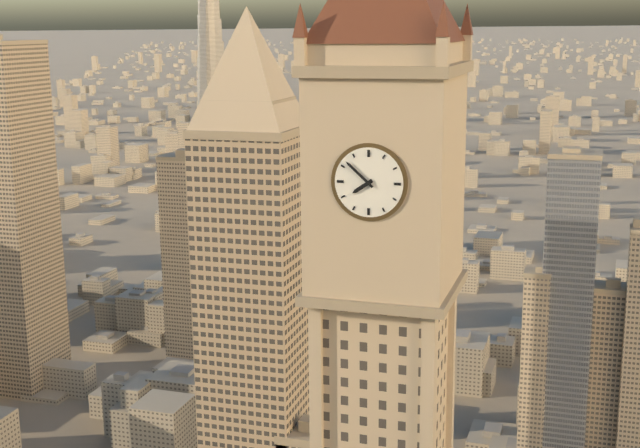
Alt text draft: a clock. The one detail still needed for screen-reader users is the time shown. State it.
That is 7:52
